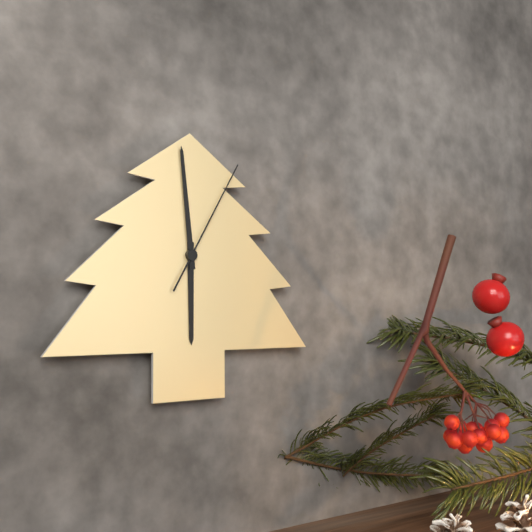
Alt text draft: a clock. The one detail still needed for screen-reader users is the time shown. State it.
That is 5:59:05
